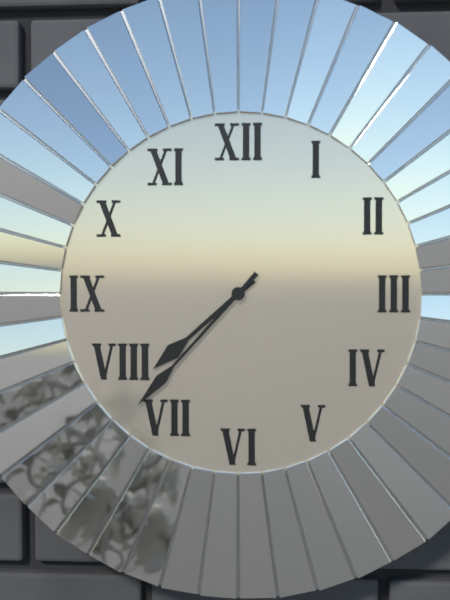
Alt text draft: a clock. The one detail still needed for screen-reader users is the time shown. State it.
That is 7:37
